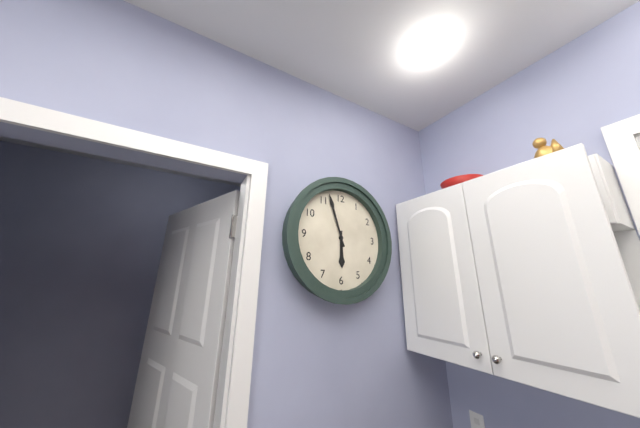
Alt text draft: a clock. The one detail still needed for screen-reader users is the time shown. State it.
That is 5:57
